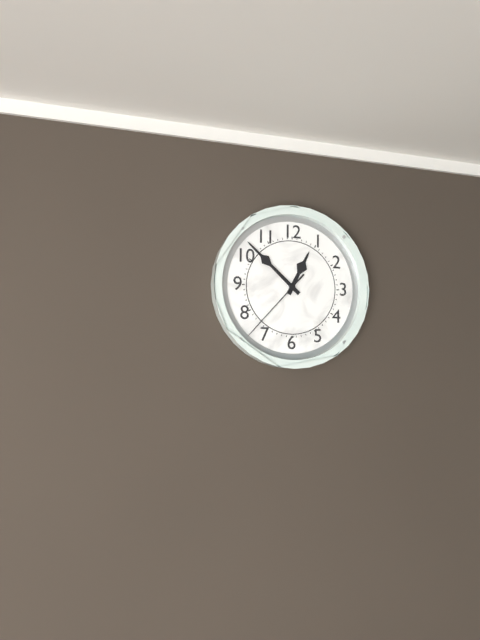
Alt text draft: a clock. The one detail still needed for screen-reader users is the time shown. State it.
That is 12:52:37
